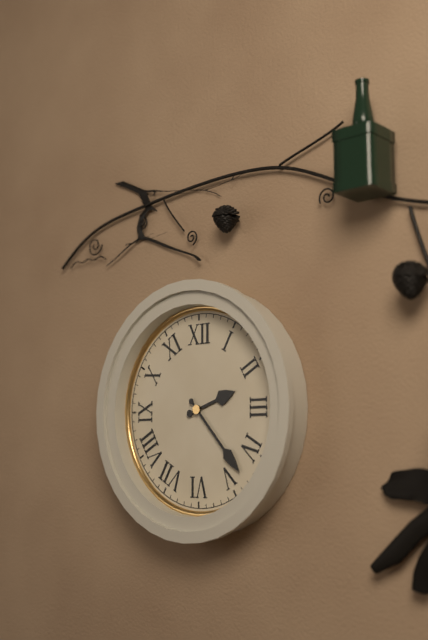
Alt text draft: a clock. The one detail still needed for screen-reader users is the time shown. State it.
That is 2:23
